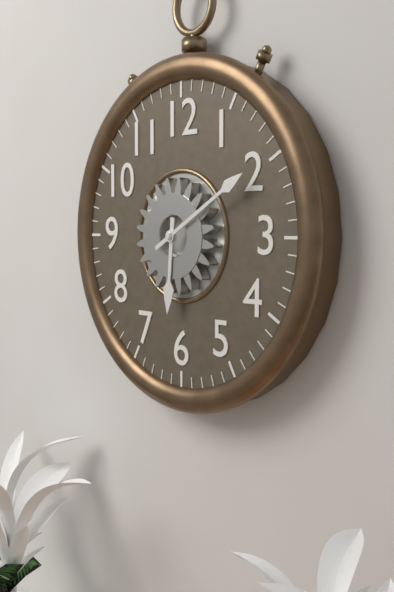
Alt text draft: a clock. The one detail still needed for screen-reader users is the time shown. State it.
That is 6:10
